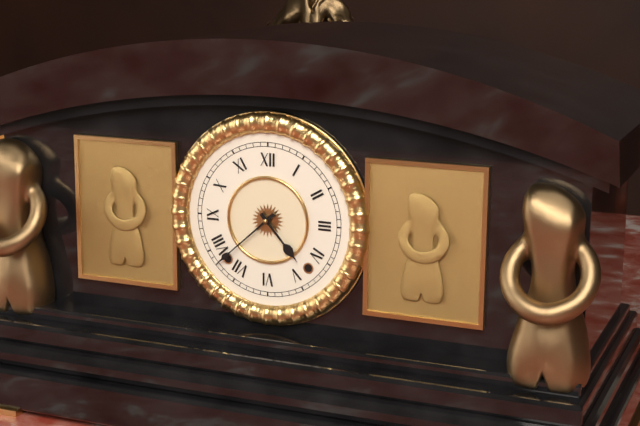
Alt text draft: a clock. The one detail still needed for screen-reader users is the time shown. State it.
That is 4:38
